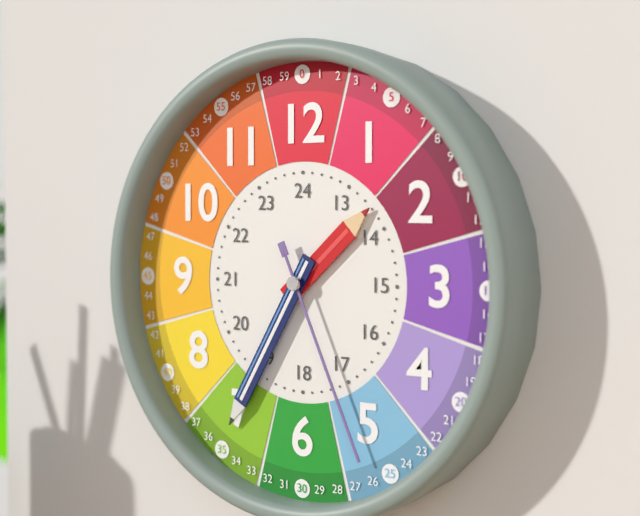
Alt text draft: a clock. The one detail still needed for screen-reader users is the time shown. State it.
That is 1:35:26
